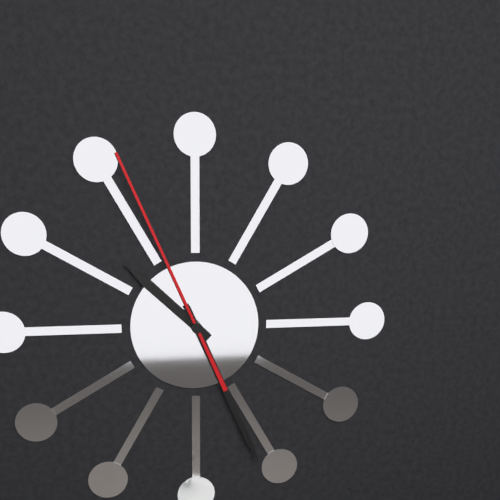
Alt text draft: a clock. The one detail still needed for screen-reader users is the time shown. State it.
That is 10:26:56
